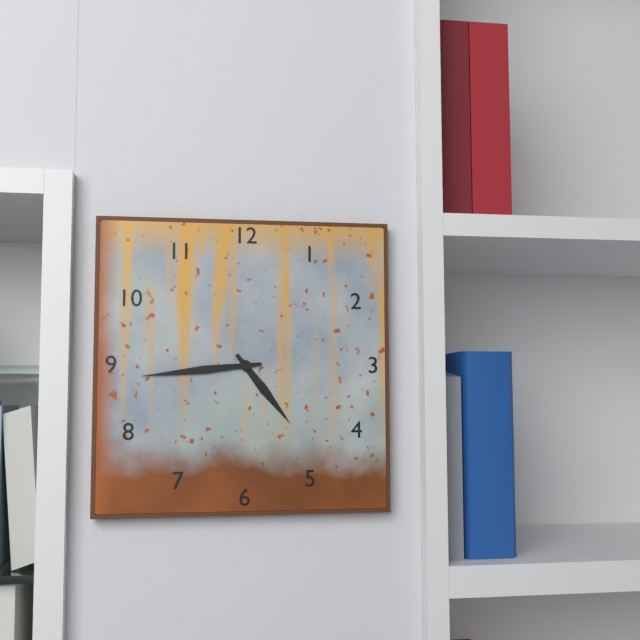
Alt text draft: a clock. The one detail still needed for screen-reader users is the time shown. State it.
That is 4:44
